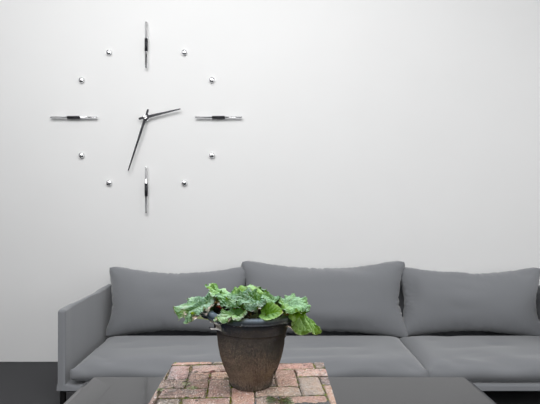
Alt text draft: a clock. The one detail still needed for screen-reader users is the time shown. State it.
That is 2:33
